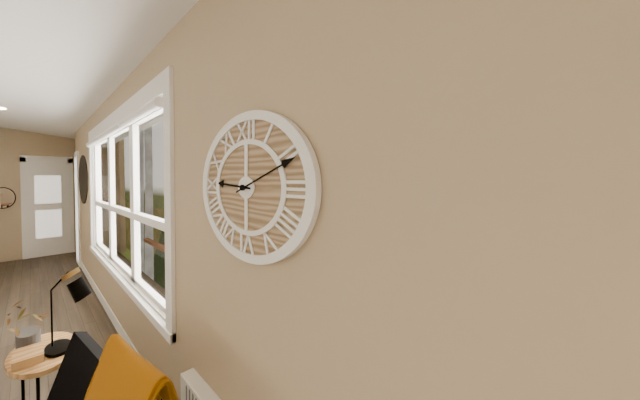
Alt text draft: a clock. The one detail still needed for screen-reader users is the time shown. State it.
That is 9:11
